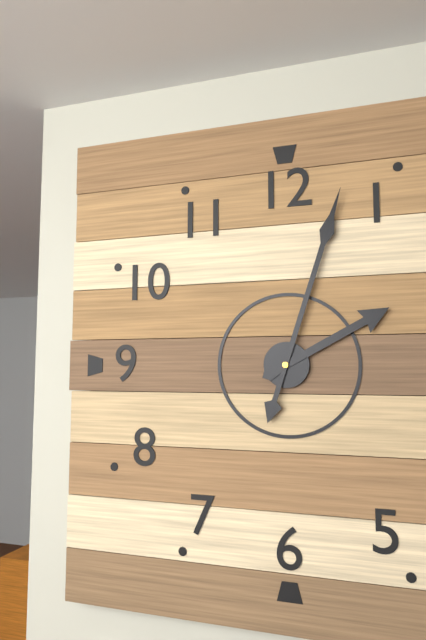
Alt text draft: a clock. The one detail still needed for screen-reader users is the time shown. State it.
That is 2:03
